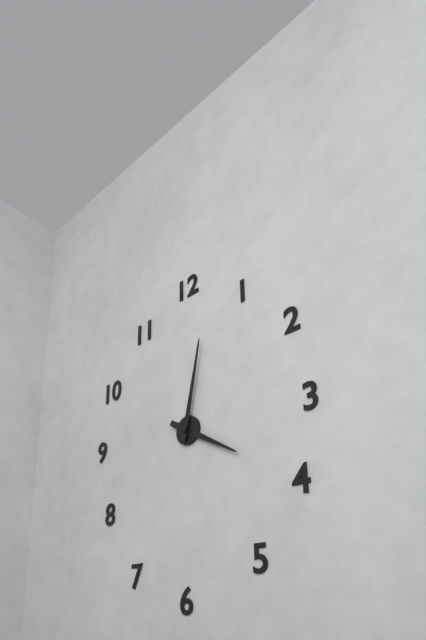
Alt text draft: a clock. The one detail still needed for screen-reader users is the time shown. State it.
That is 4:02
